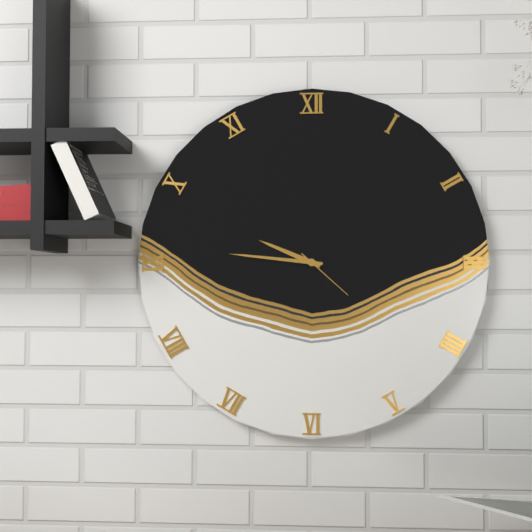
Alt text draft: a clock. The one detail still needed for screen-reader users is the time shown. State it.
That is 9:46:22
